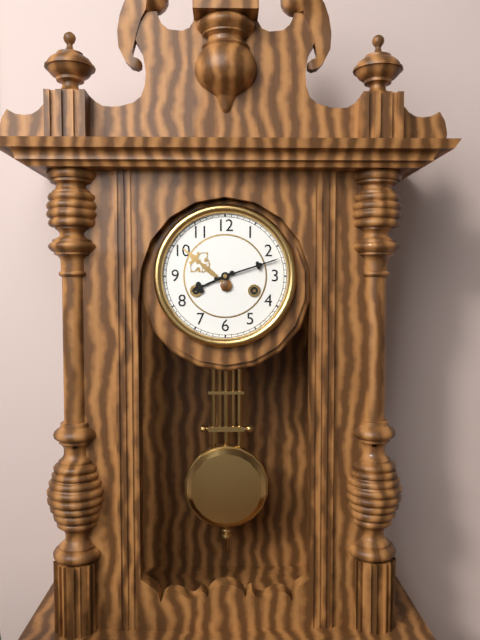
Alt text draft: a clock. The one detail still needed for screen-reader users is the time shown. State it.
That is 8:12
